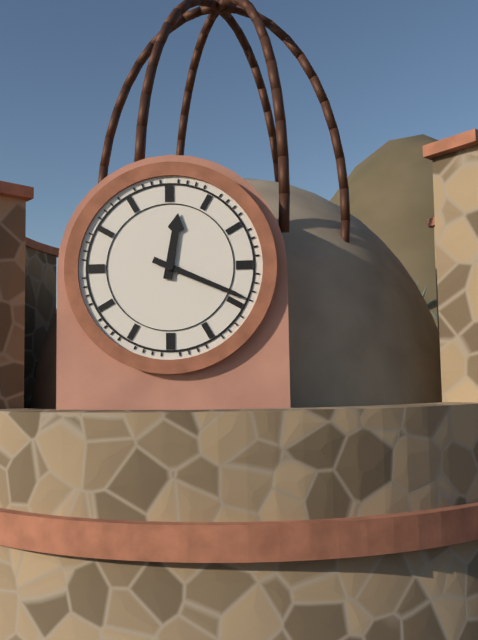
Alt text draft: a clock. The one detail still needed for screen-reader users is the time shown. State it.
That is 12:19
